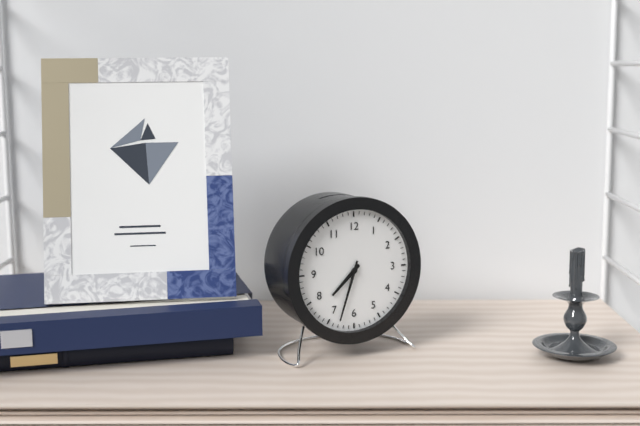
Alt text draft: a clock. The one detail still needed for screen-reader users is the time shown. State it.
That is 7:33
